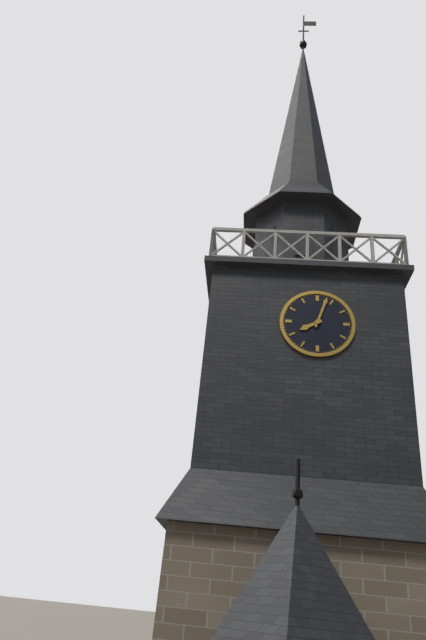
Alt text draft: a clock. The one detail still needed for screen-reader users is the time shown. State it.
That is 8:03
